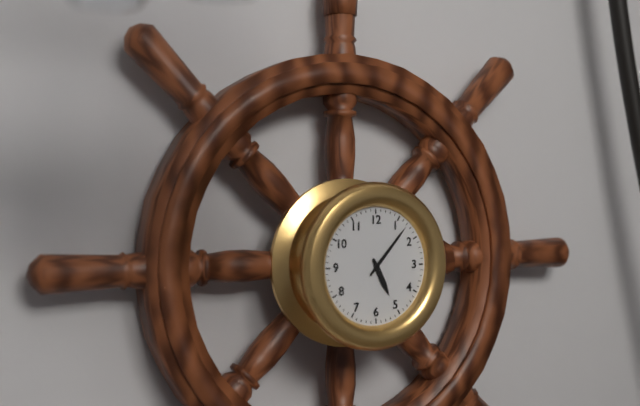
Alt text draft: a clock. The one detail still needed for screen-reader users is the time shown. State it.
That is 5:07
